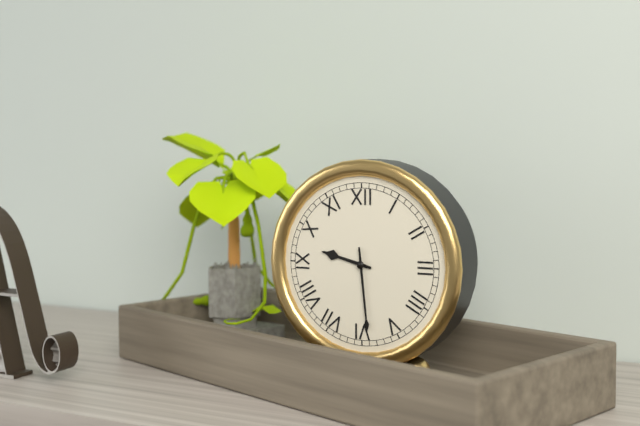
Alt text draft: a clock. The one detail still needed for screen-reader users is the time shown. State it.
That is 9:29
